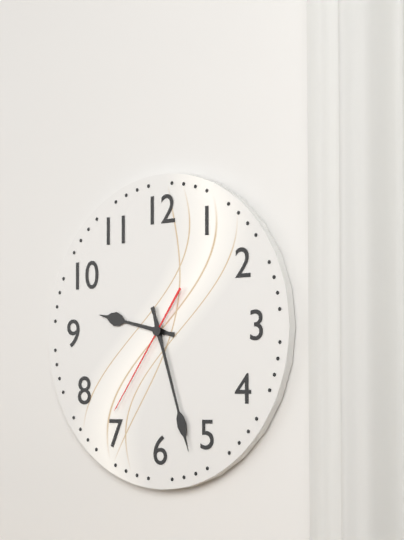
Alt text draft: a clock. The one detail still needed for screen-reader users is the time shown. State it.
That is 9:27:36
